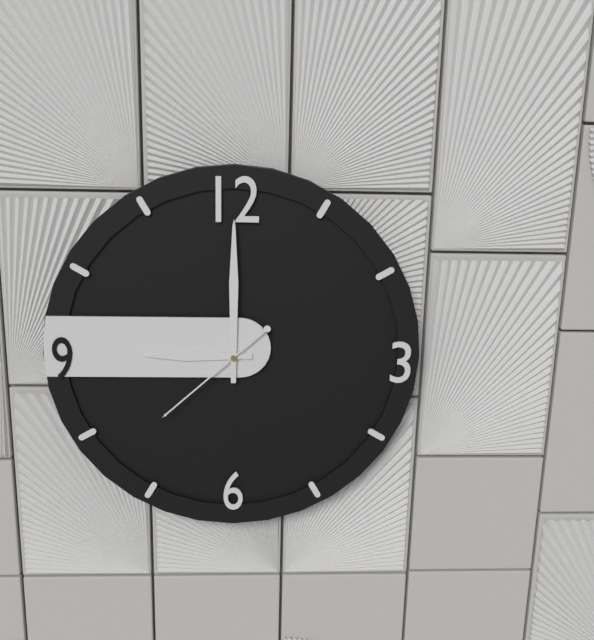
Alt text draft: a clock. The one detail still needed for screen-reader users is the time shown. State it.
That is 9:00:38
